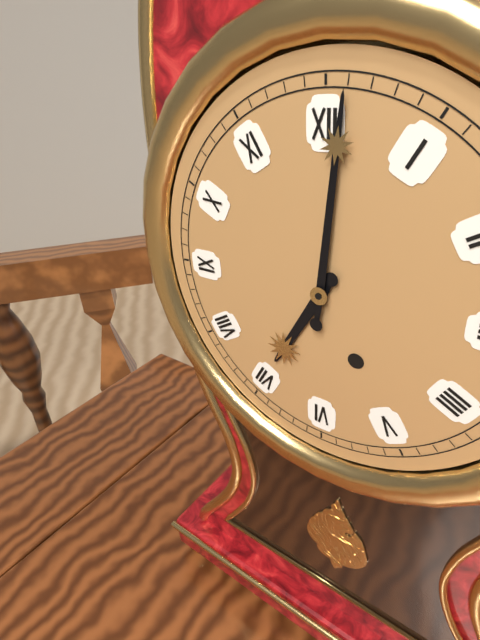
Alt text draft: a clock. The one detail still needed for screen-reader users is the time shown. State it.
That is 7:01
